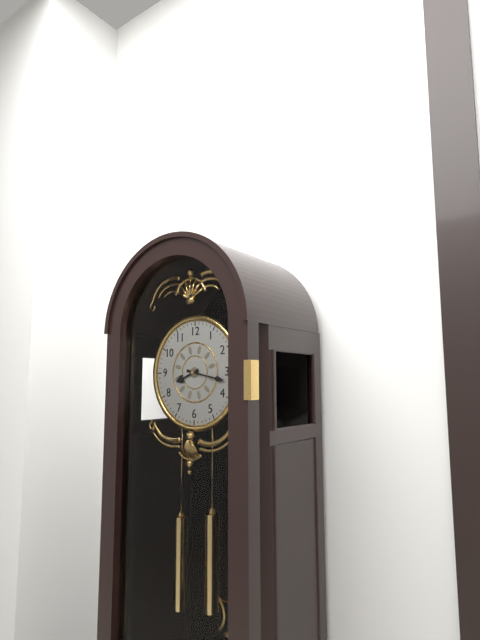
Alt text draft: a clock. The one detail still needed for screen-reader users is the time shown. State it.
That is 8:17
